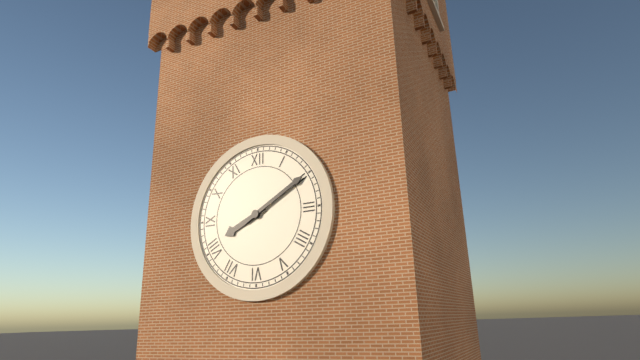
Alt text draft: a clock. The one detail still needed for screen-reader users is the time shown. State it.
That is 8:10
